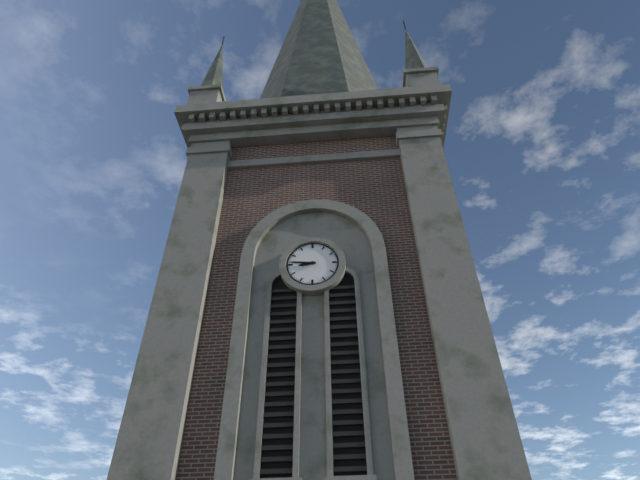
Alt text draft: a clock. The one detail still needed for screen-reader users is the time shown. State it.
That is 8:46
